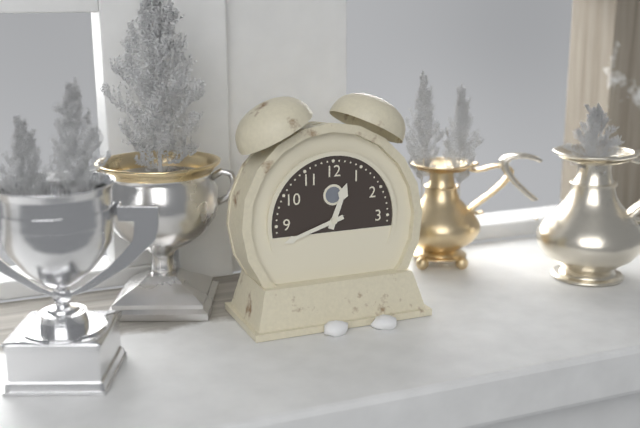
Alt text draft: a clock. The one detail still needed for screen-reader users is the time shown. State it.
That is 12:42
